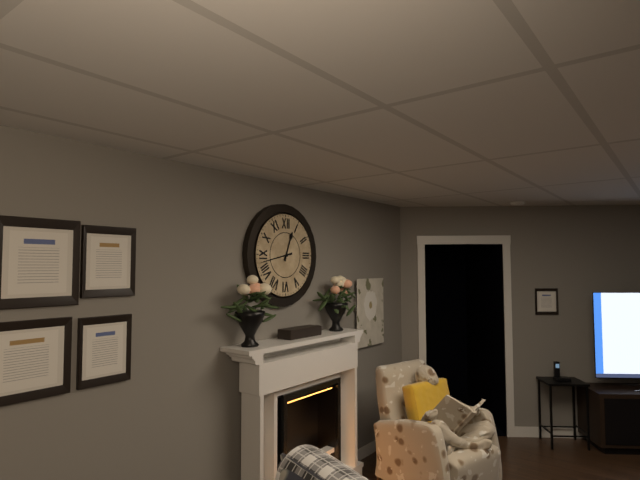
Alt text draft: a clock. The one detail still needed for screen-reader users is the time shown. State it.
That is 12:43
